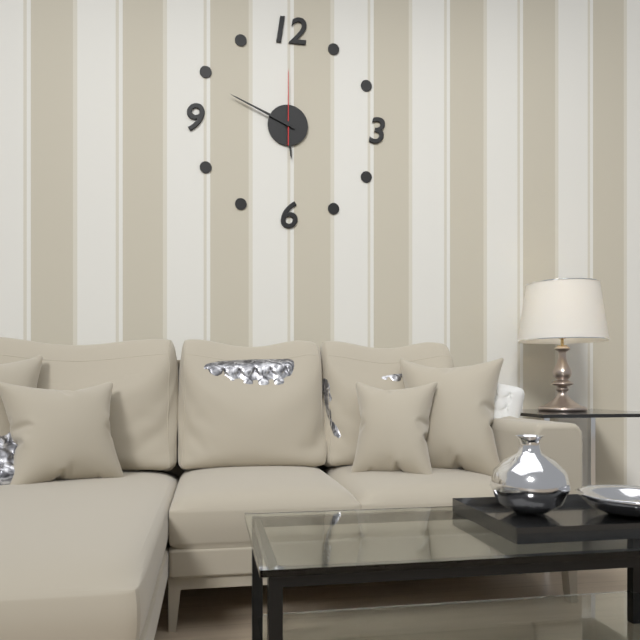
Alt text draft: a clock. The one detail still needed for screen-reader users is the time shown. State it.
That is 5:49:00
